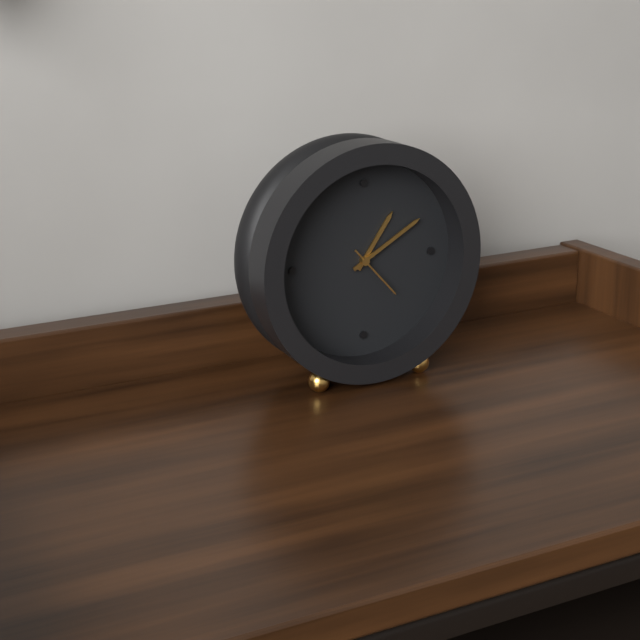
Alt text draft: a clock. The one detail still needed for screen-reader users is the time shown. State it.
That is 1:10:23
